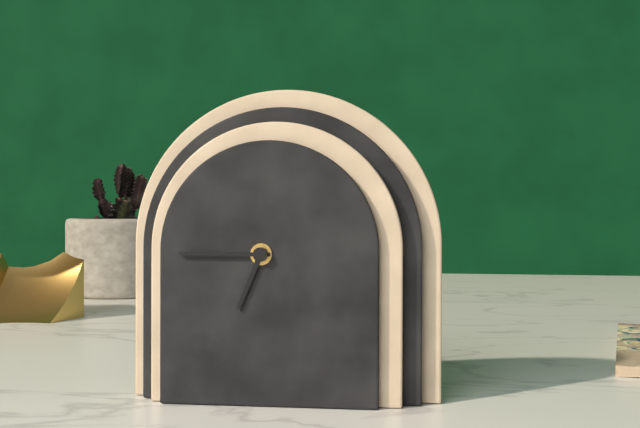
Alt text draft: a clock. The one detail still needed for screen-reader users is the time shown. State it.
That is 6:45
